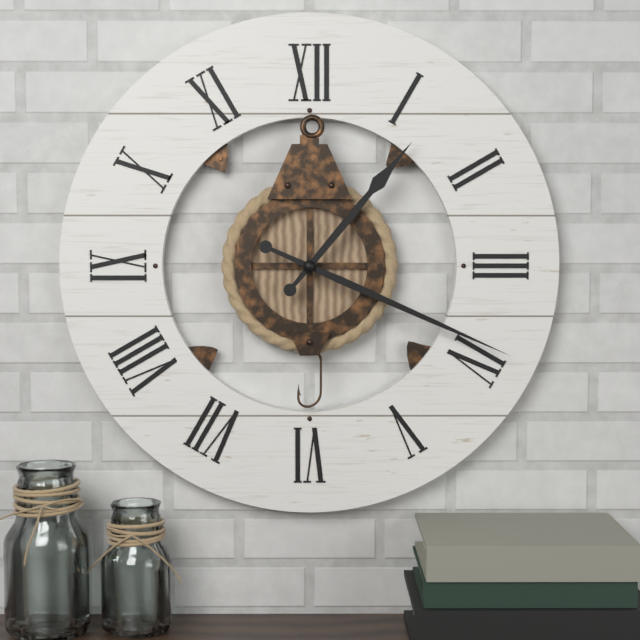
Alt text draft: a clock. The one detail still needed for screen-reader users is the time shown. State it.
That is 1:19
